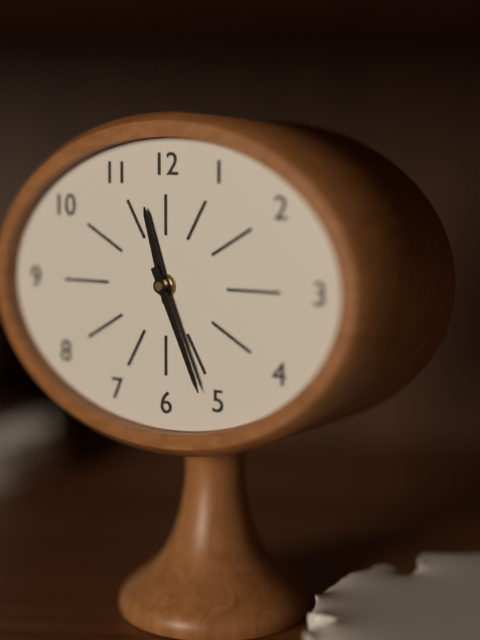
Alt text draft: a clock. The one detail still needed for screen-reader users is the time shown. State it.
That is 11:26
